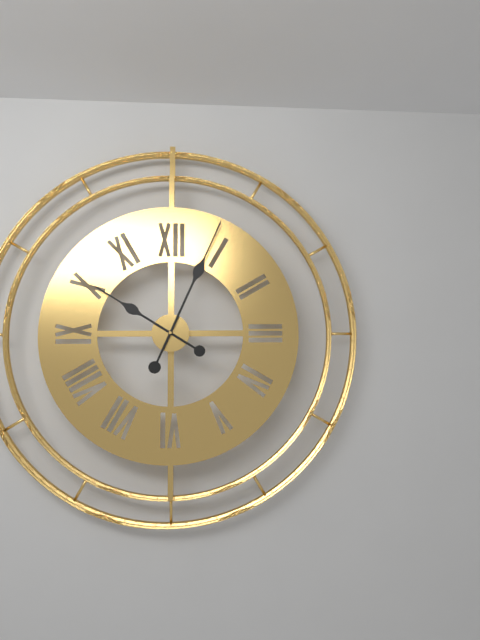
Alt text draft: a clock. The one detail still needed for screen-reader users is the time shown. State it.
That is 10:04
